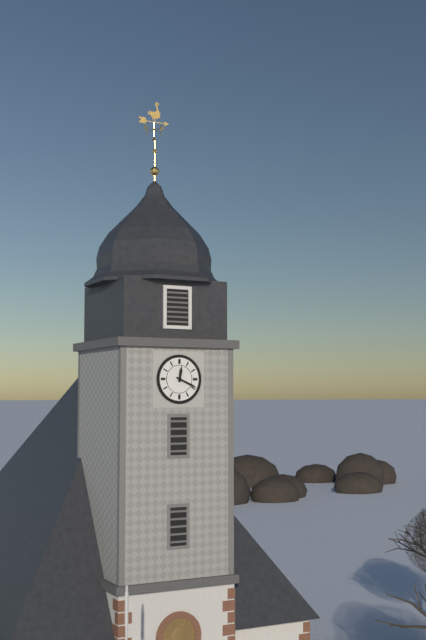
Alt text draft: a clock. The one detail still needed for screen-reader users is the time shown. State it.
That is 12:19
